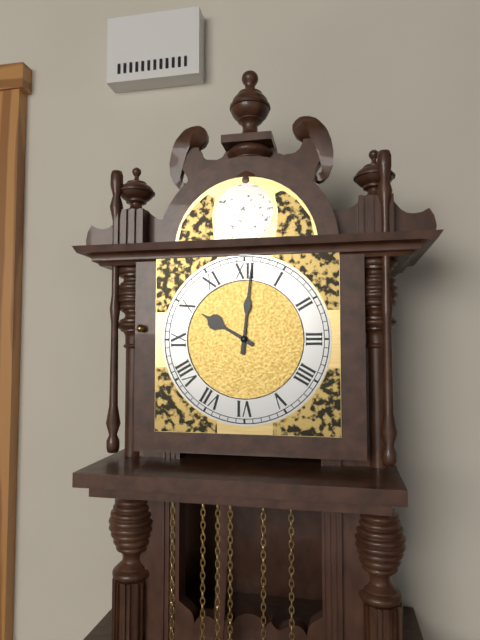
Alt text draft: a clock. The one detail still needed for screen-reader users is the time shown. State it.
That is 10:01
